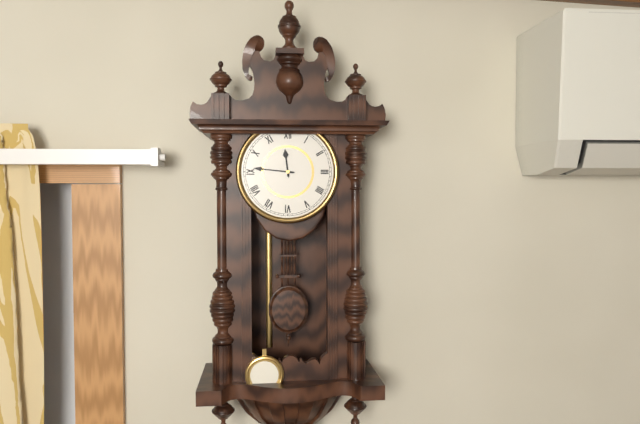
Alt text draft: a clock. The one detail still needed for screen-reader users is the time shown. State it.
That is 11:46
